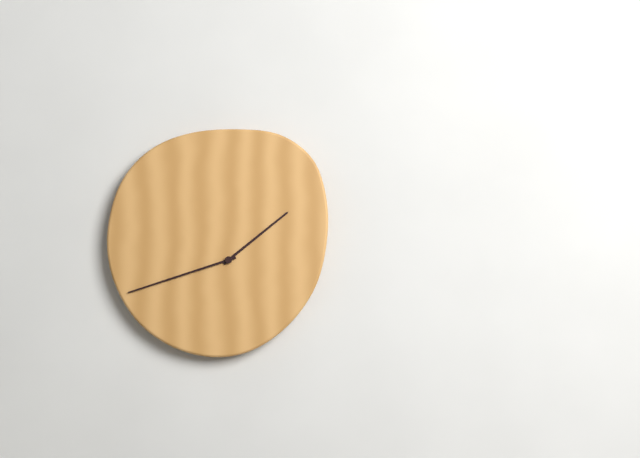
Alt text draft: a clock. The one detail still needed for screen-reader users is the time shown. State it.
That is 1:42
